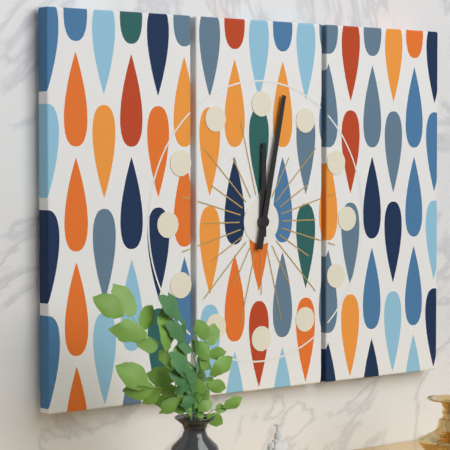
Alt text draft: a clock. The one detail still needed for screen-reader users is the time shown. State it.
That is 12:02
